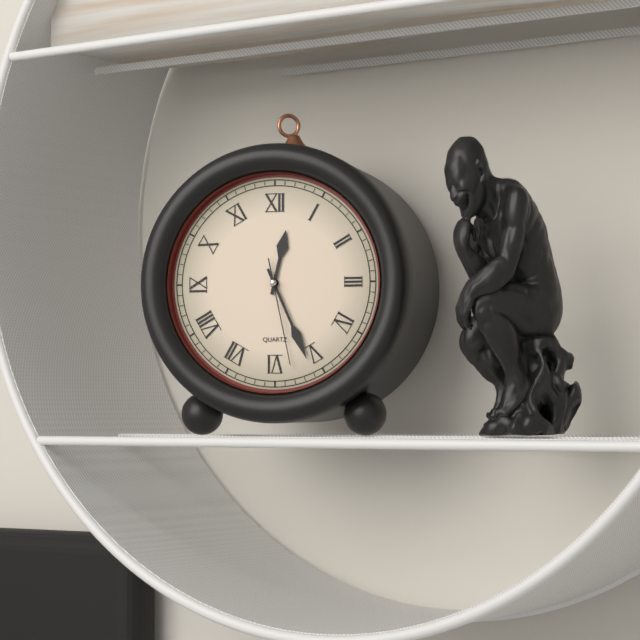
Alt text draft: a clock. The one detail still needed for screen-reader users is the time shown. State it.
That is 12:26:28
